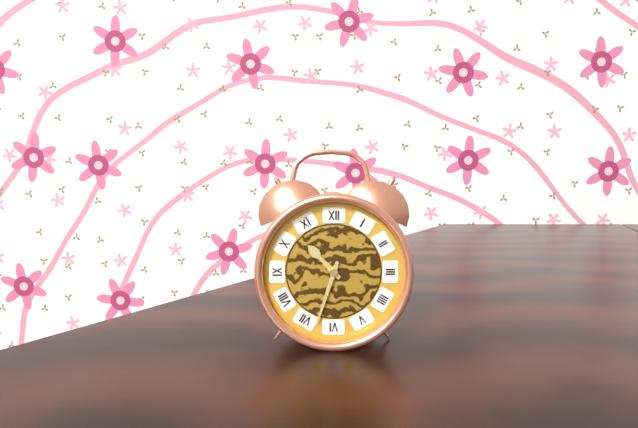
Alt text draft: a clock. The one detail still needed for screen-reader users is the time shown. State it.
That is 10:33
